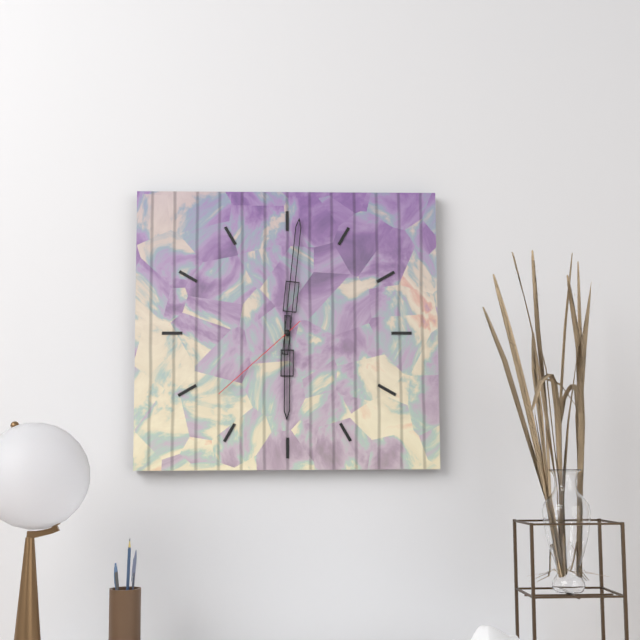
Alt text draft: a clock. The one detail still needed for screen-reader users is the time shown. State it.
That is 6:01:38
